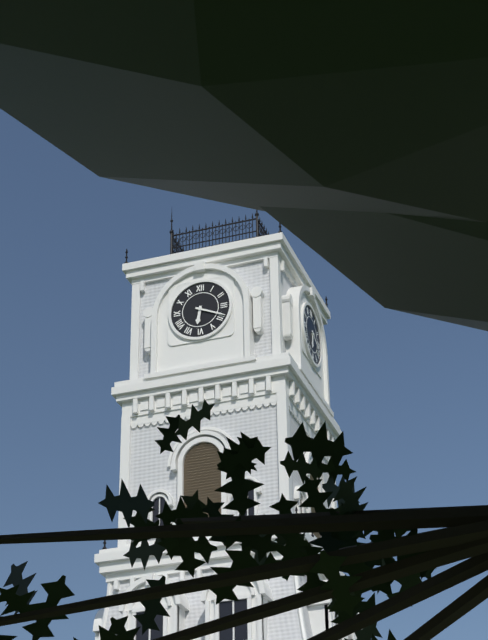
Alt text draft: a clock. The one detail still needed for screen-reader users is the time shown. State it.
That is 6:19
